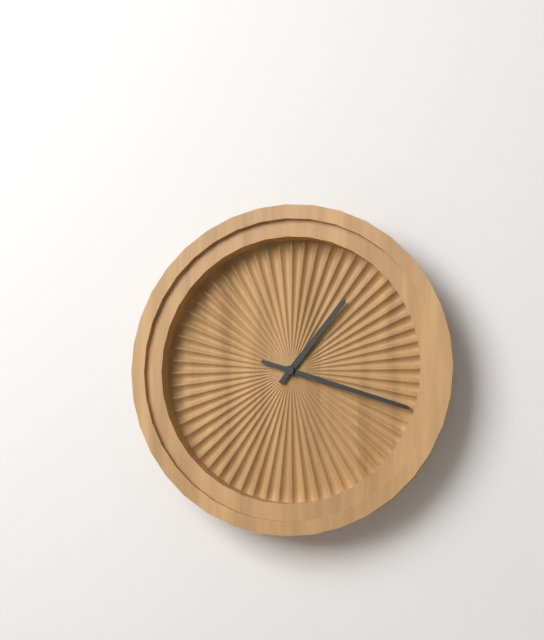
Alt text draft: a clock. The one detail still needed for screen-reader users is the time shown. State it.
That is 1:18
